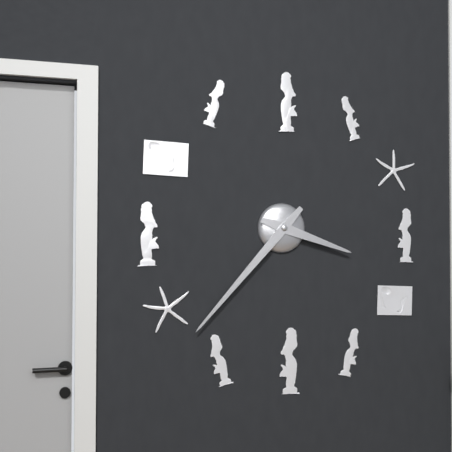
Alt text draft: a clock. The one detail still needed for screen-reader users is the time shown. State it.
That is 3:37
